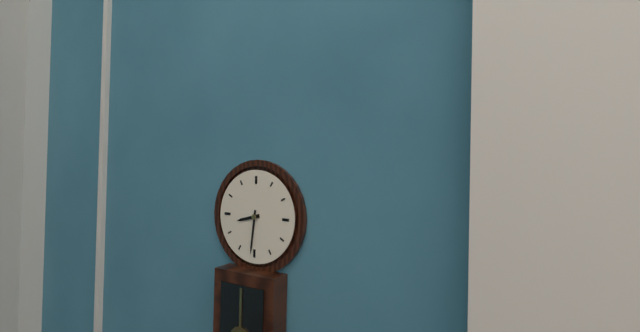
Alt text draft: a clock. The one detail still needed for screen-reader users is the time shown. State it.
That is 8:31
